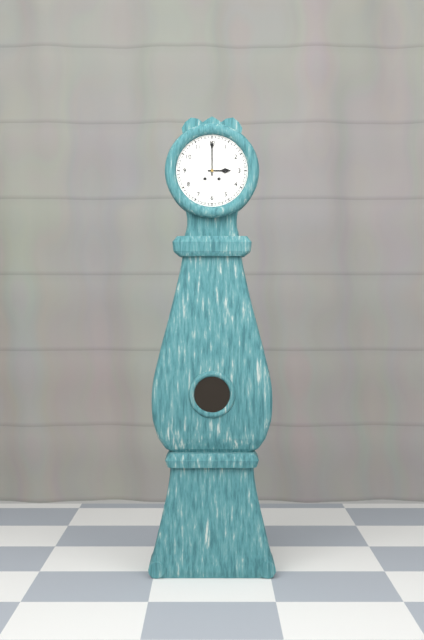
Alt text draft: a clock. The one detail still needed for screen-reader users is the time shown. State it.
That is 3:00
